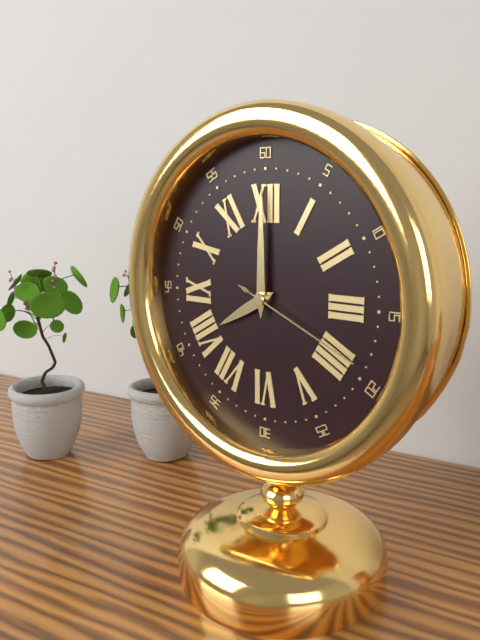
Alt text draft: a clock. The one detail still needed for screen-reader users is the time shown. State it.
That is 8:00:19
